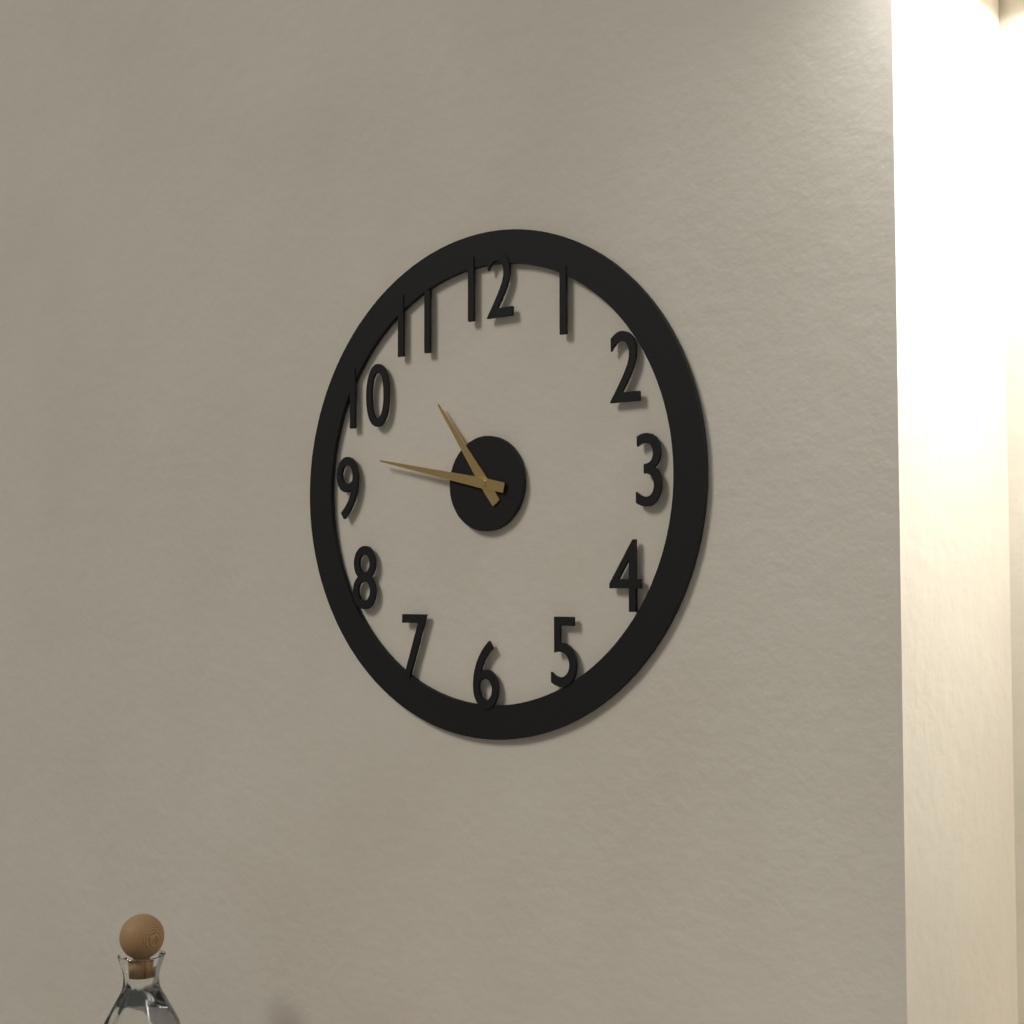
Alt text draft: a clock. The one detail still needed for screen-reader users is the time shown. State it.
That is 10:47
